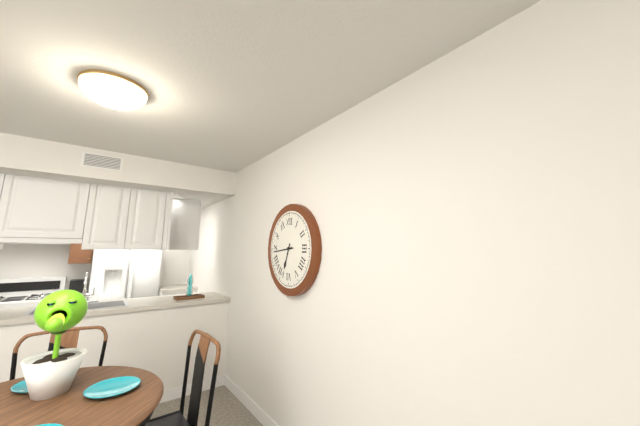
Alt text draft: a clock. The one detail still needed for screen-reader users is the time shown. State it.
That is 6:44
